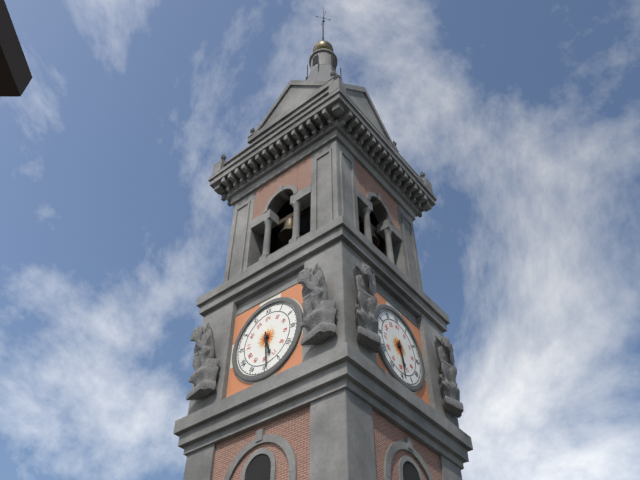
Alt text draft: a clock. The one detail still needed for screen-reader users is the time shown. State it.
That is 5:29
